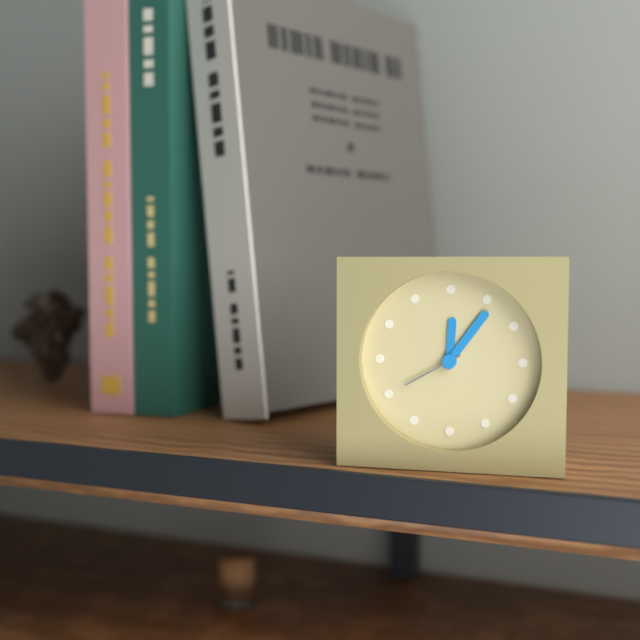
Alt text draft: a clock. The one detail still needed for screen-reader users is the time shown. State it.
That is 12:06:40
